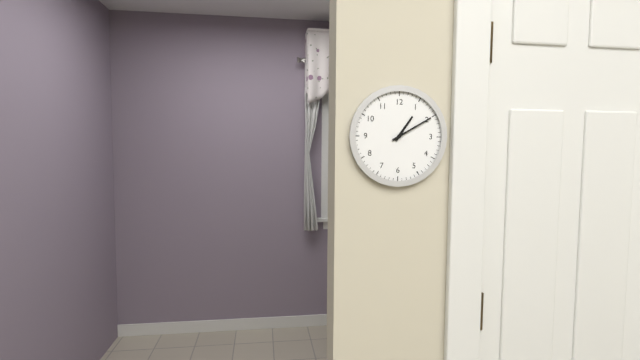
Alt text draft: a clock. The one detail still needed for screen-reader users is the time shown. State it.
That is 1:10
